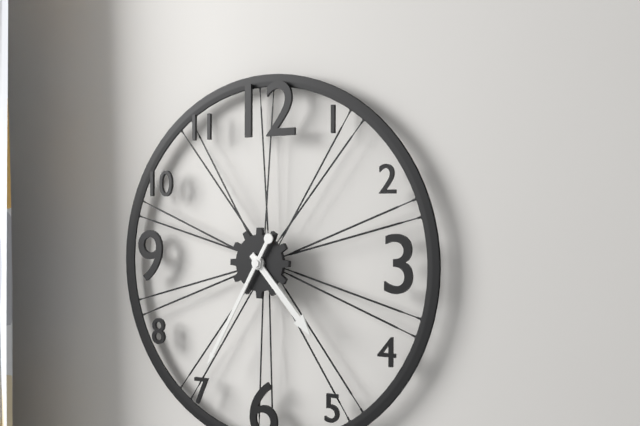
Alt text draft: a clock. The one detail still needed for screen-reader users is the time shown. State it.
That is 4:35
